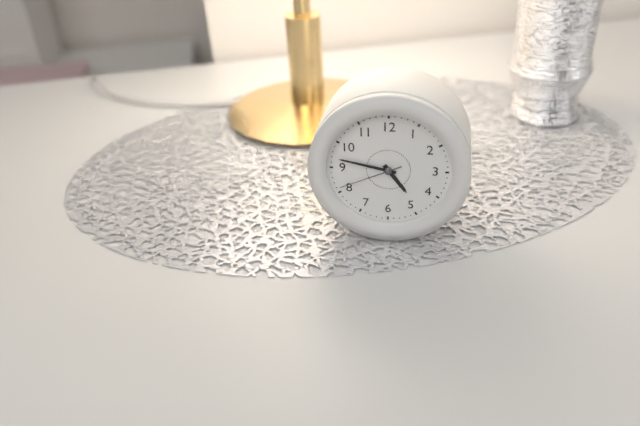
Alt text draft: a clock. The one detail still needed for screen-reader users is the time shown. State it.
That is 4:47:41
